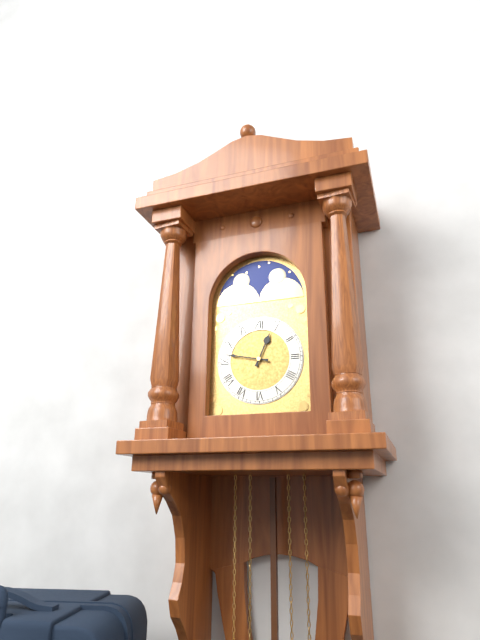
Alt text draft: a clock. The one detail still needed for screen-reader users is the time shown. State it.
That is 12:47
